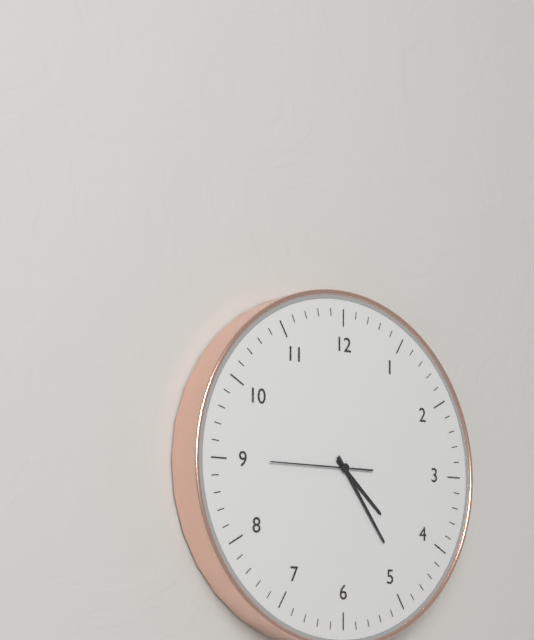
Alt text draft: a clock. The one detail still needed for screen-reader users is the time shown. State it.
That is 4:24:45
